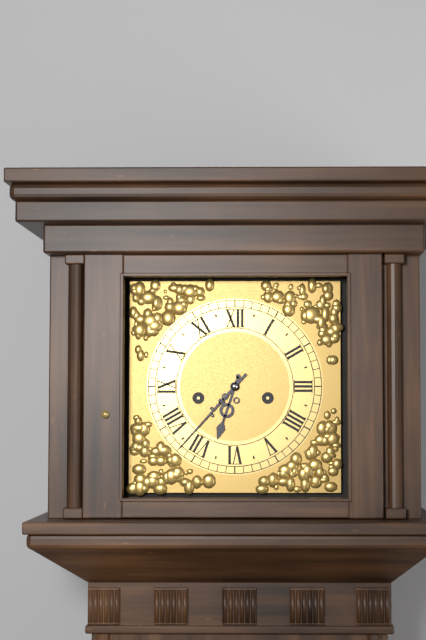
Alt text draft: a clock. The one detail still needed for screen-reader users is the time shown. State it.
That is 6:37
